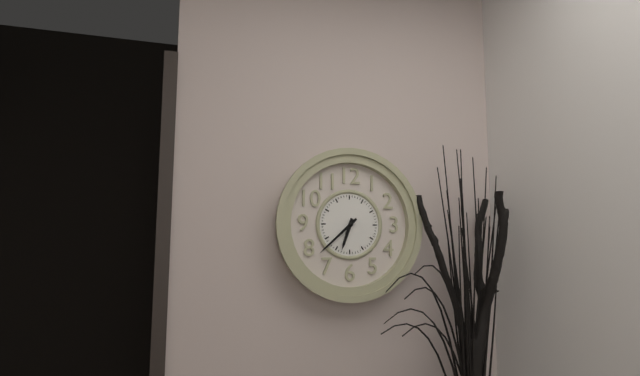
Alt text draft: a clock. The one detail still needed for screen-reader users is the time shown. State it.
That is 6:38
